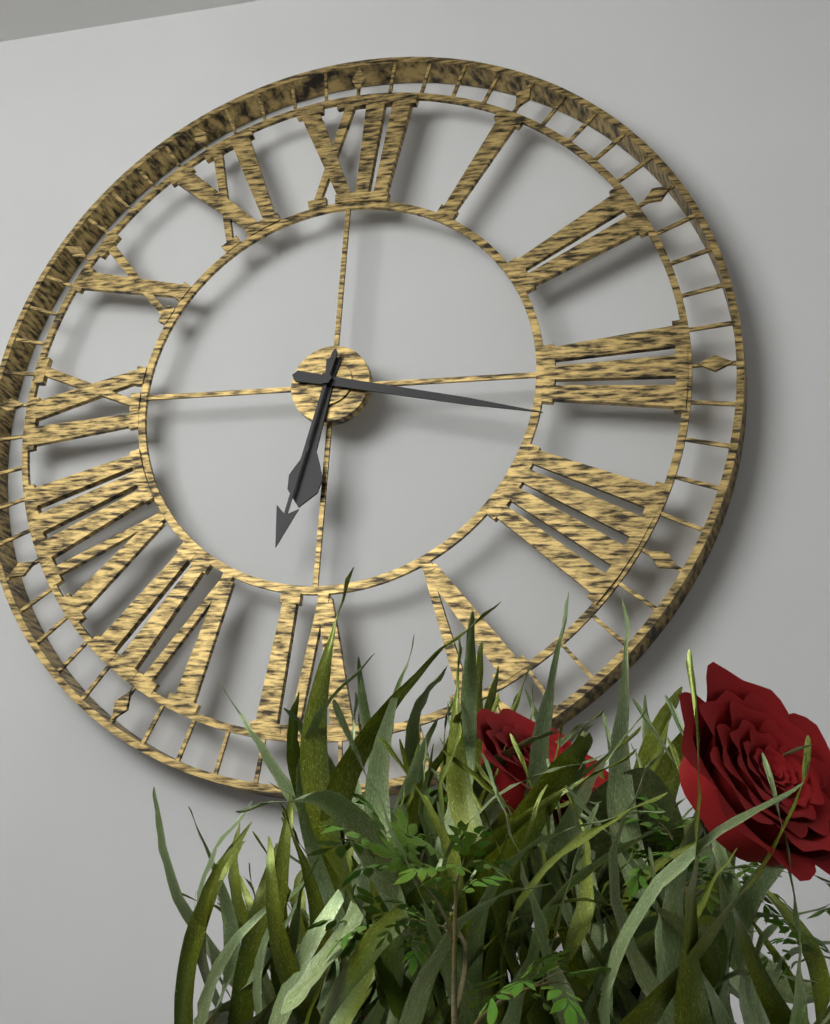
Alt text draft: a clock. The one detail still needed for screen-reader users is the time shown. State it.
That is 6:17:32
